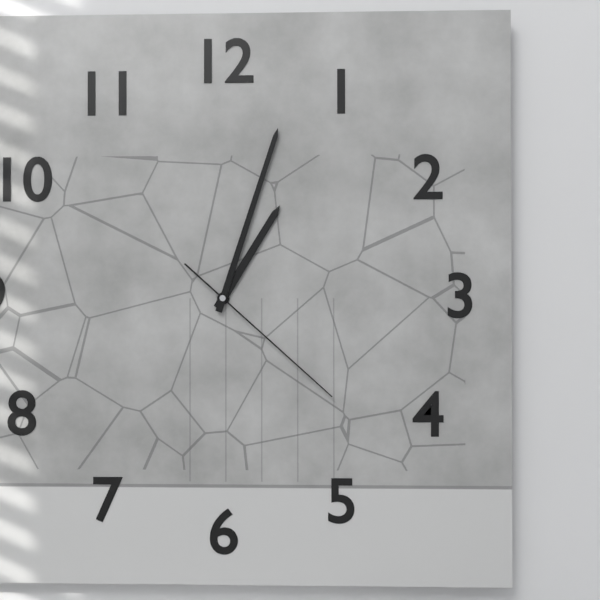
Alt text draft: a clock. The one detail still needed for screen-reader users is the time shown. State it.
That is 1:03:22
